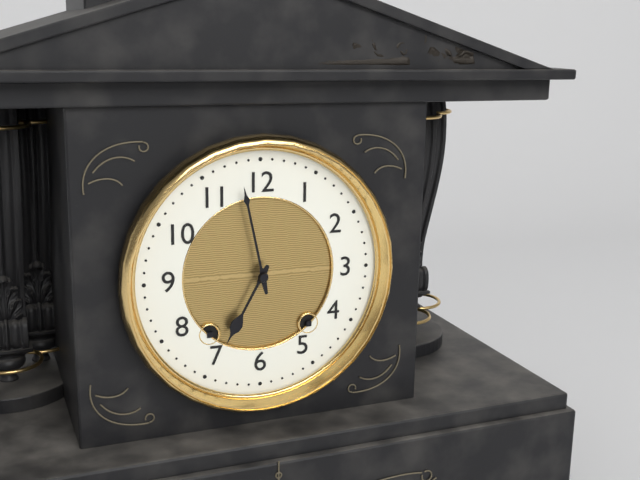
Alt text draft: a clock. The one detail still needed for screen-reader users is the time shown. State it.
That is 6:58
